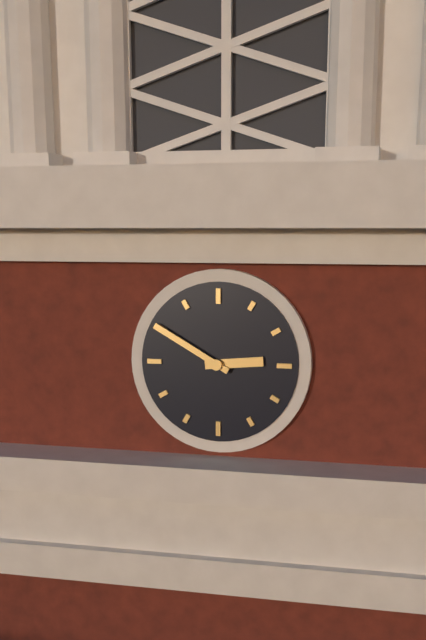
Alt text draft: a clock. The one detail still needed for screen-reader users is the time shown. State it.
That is 2:50
